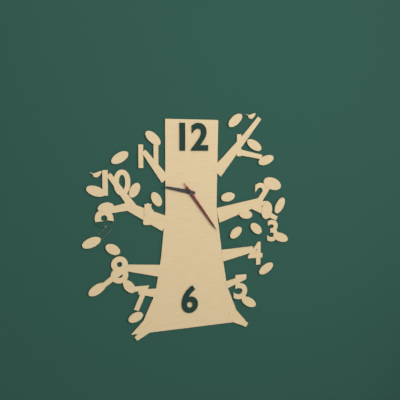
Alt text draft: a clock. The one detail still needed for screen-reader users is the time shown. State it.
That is 9:24:24
